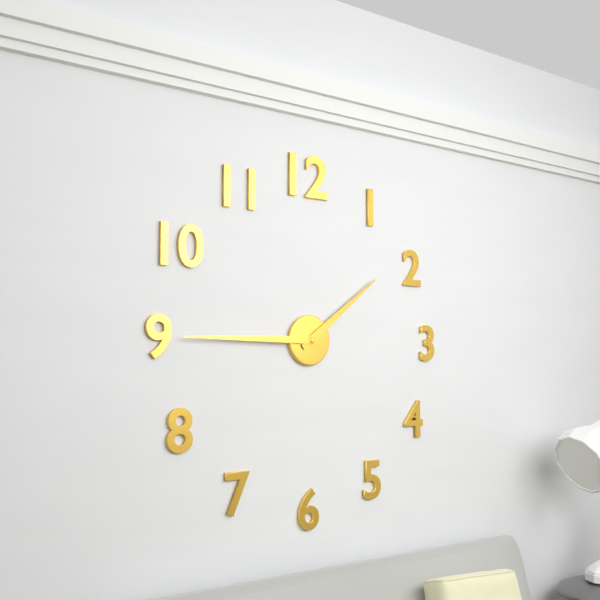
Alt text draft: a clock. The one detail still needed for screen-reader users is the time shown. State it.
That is 1:45
